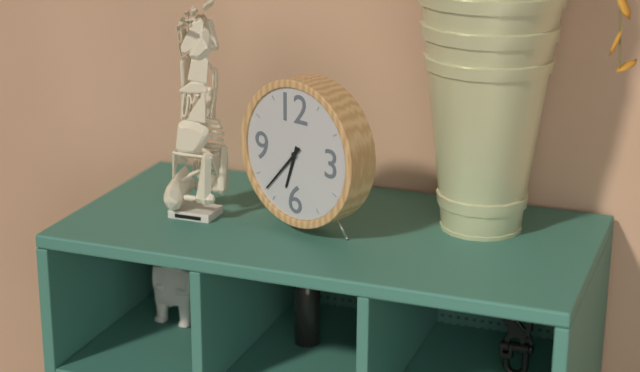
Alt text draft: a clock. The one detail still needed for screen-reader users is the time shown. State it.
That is 6:37
